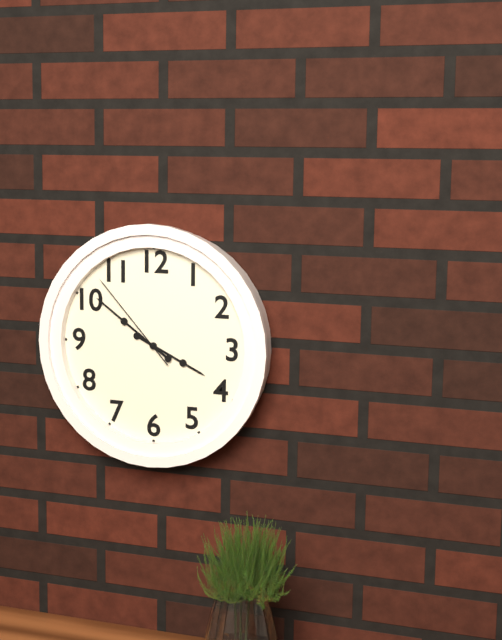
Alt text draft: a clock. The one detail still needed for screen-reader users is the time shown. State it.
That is 3:51:53
